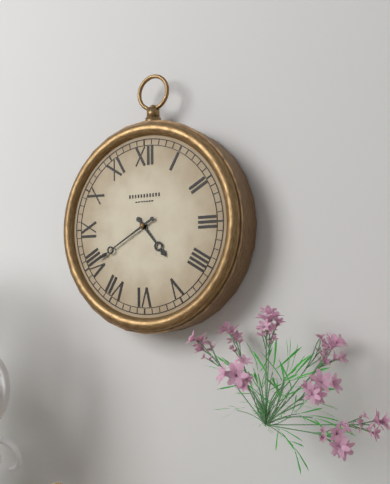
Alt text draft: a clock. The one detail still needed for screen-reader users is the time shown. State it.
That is 4:40
